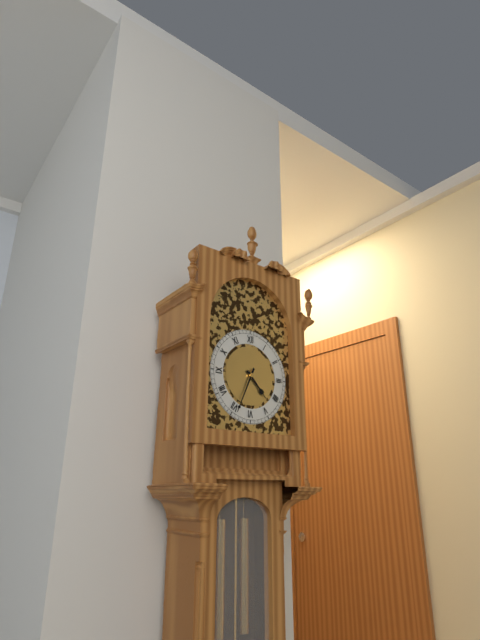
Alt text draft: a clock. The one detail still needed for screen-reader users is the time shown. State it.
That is 4:34
